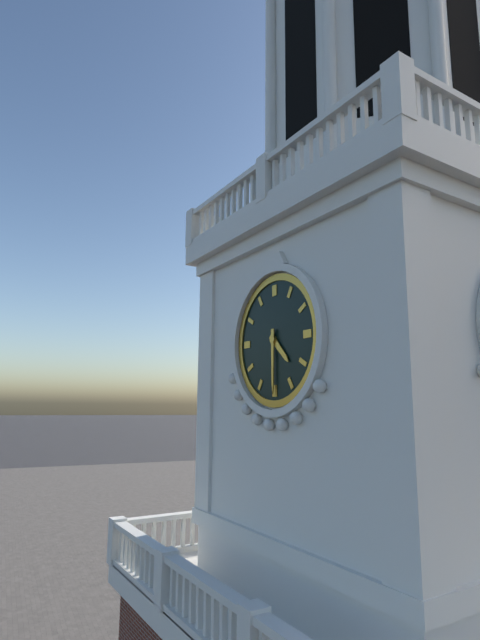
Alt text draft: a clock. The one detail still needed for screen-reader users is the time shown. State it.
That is 4:30
